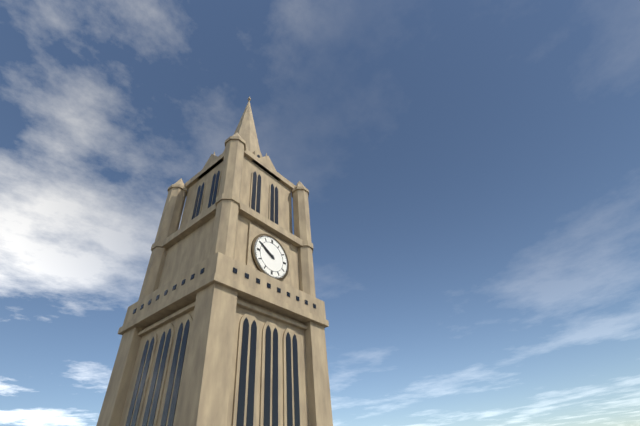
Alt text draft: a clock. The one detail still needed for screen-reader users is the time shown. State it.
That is 9:50
